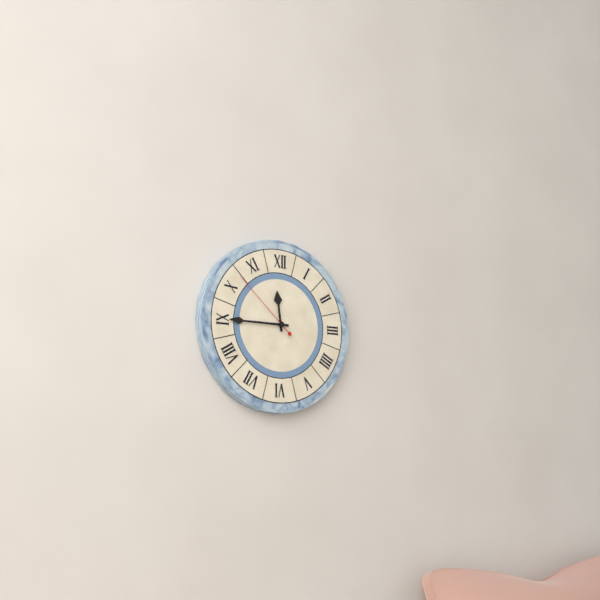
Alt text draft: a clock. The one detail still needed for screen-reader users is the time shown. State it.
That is 11:45:52
